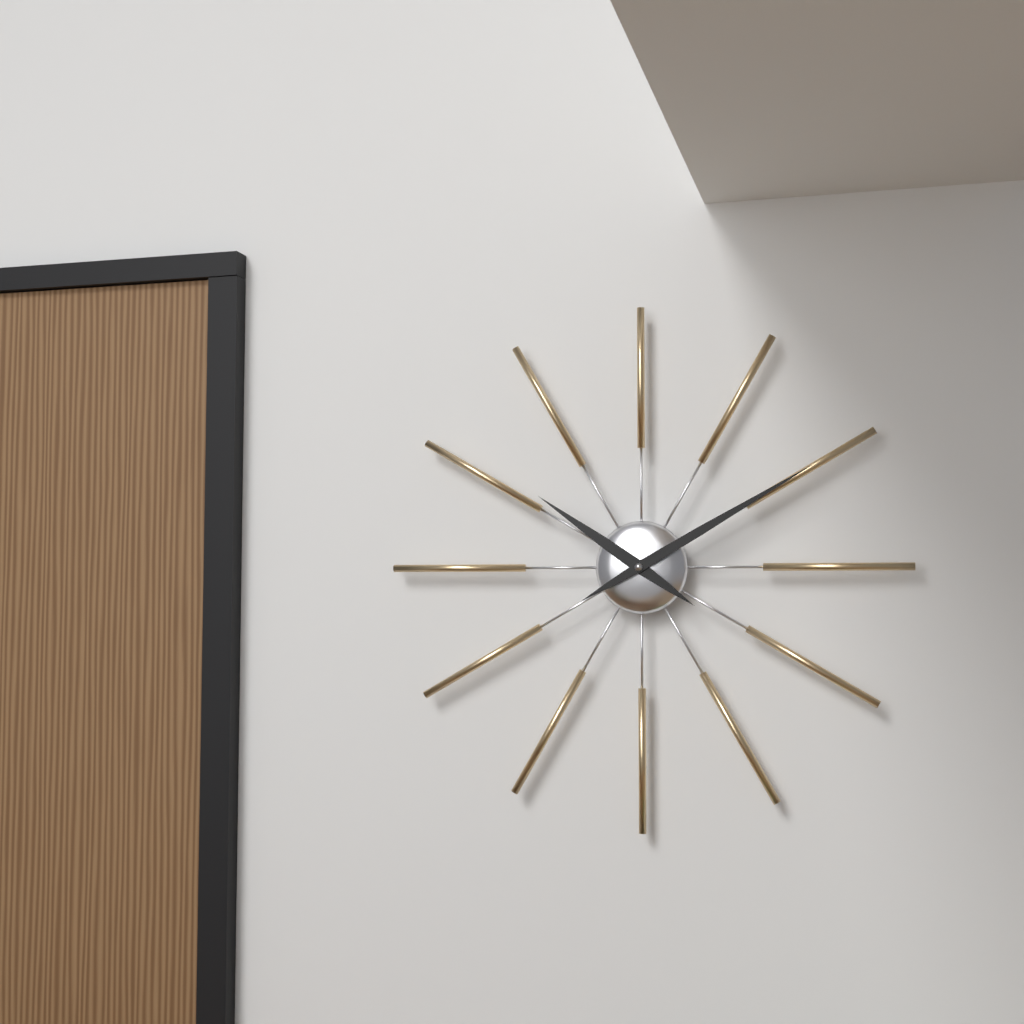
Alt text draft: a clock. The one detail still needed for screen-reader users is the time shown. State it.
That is 10:10
